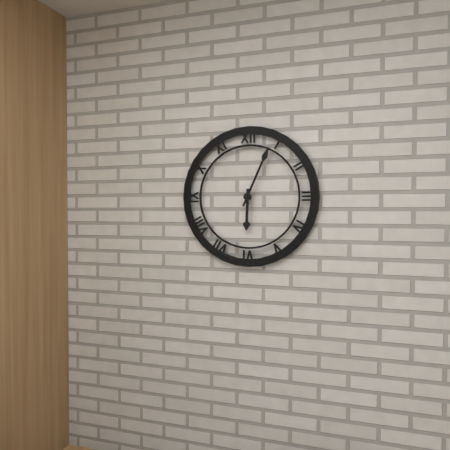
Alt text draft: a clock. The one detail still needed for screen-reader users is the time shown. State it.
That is 6:04
